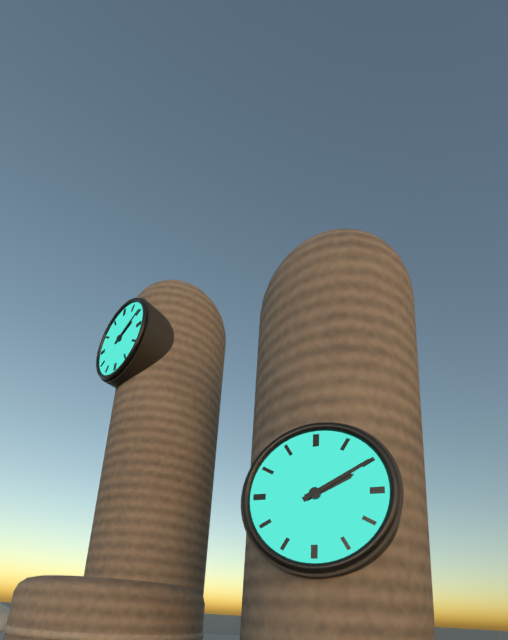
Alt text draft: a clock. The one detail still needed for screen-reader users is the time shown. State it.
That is 2:10
